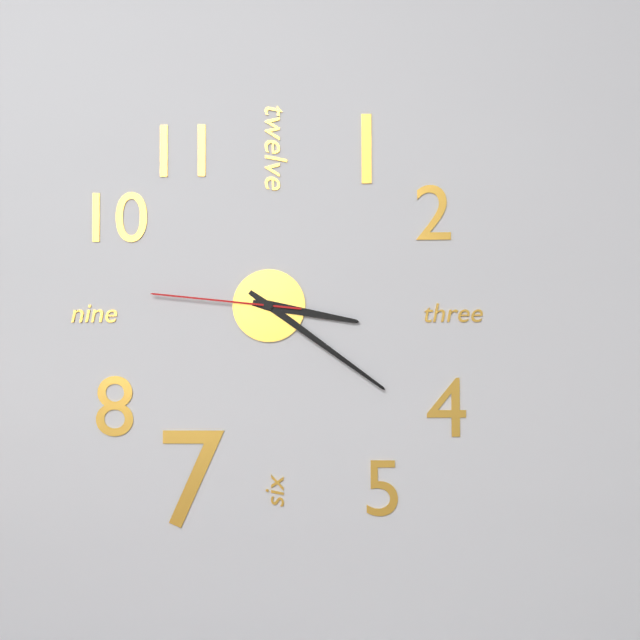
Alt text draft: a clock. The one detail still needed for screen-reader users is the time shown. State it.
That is 3:21:46
